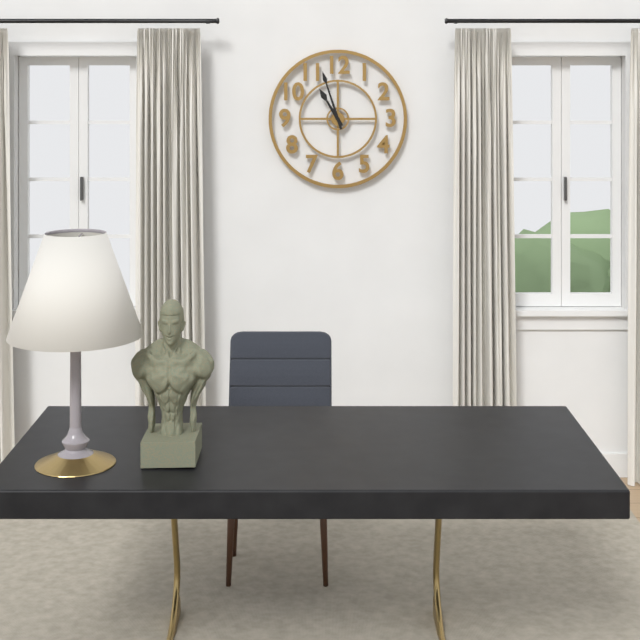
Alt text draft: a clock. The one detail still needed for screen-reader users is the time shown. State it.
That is 10:57
